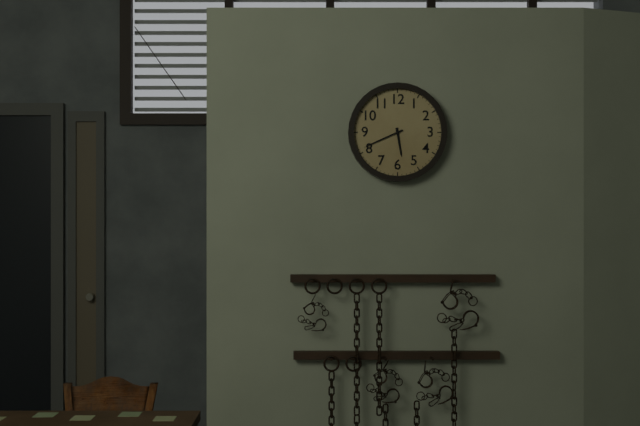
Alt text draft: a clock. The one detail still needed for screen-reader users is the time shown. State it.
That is 5:41
